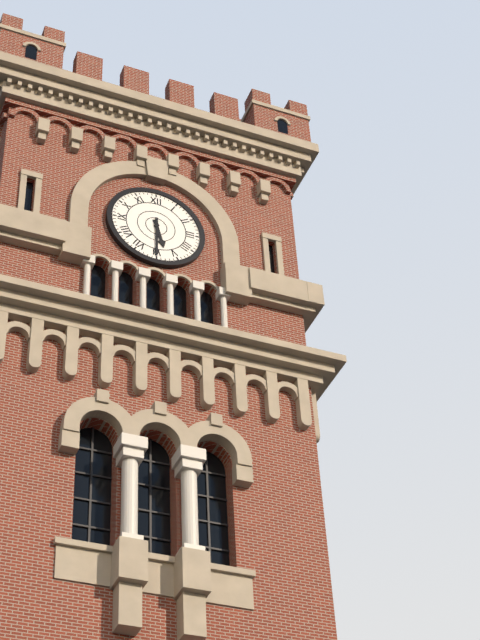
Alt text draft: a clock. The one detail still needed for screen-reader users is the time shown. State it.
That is 5:30
